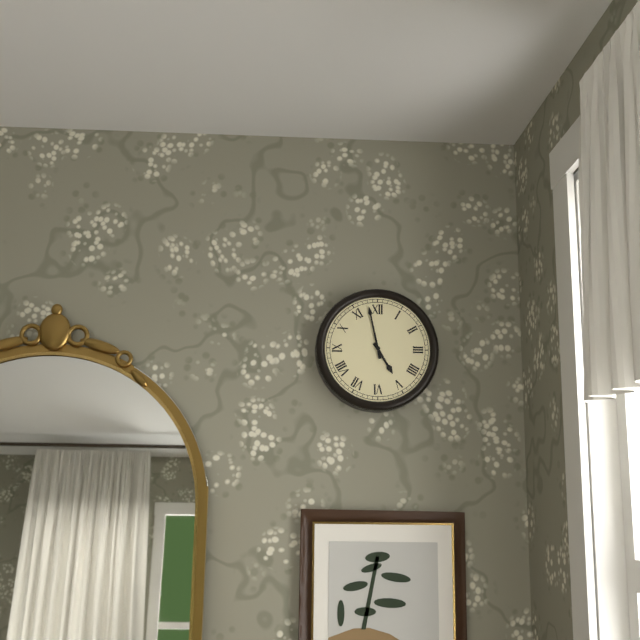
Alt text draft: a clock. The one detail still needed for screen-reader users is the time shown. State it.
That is 4:58
